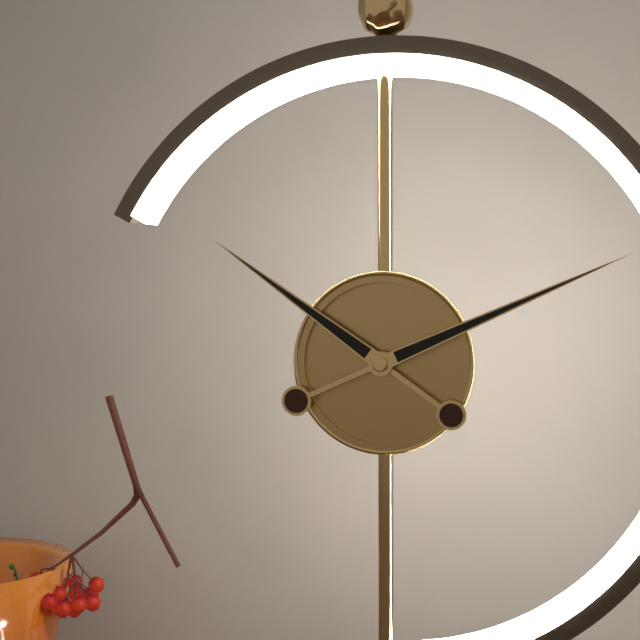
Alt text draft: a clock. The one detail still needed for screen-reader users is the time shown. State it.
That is 10:11
